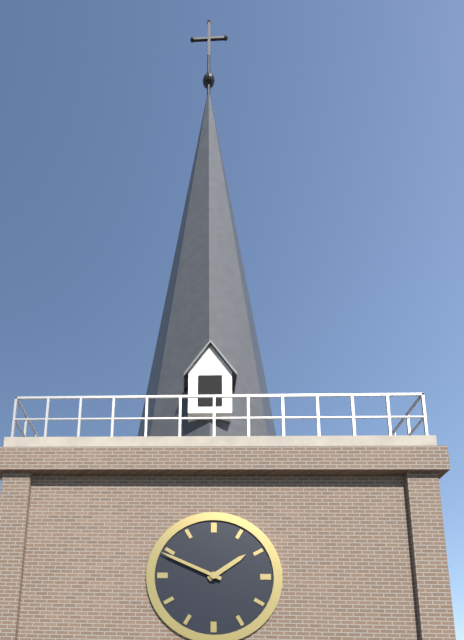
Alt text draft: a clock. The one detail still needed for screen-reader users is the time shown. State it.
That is 1:49
